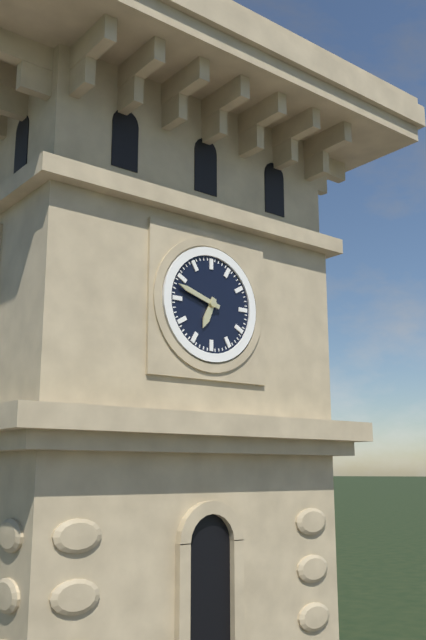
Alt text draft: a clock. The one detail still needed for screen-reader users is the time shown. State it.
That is 6:48
